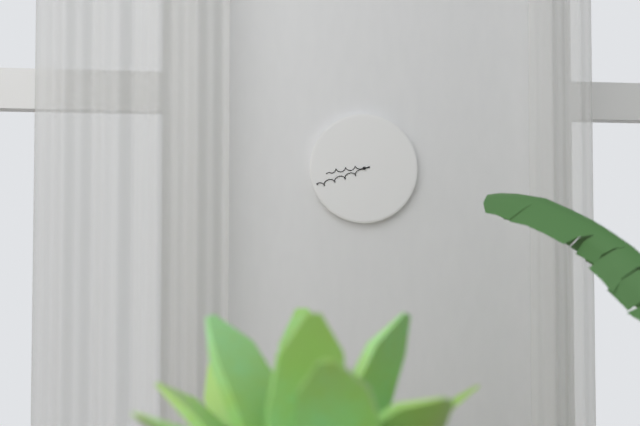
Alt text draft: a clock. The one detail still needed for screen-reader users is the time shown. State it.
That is 8:42
